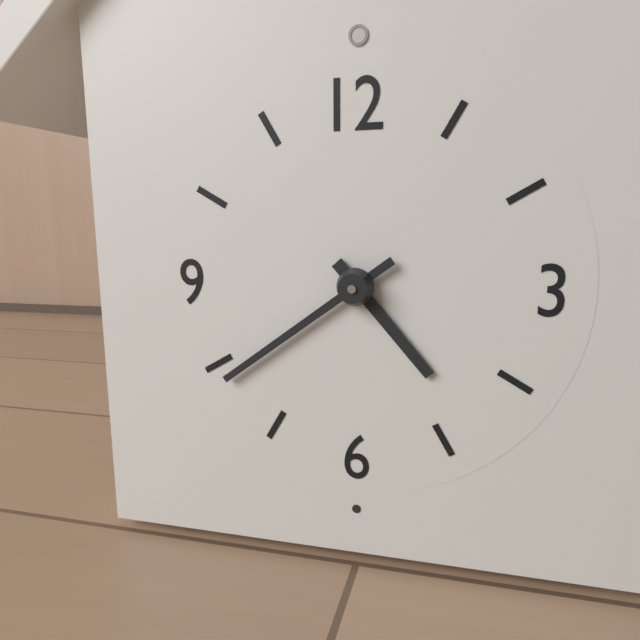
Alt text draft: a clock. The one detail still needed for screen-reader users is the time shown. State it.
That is 4:39
